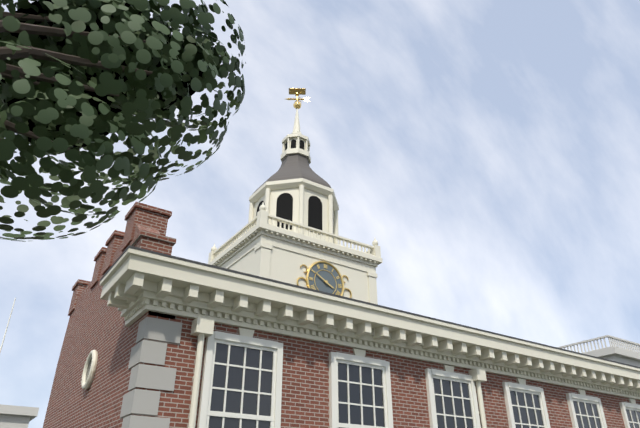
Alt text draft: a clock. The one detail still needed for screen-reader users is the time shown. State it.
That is 3:50
